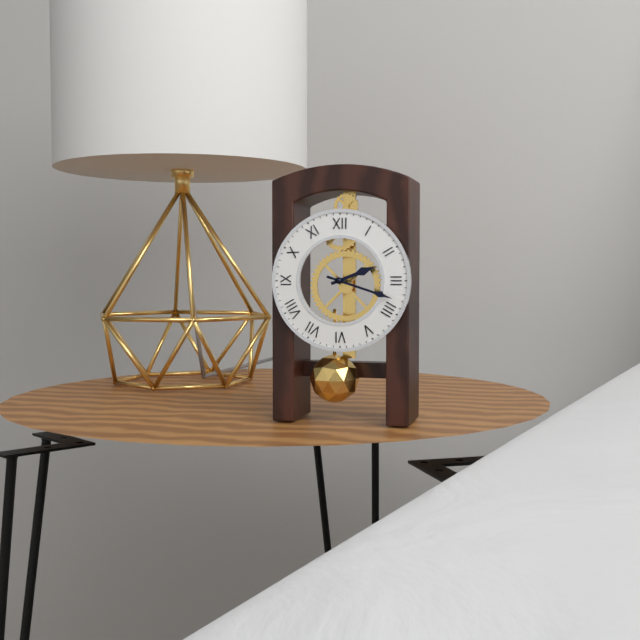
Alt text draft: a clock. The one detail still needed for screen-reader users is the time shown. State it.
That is 2:18
